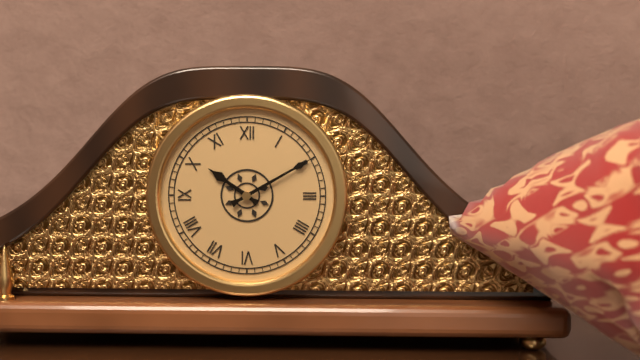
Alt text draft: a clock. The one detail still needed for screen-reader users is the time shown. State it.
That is 10:10
